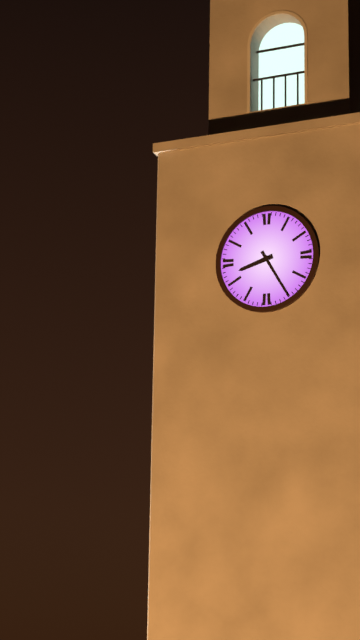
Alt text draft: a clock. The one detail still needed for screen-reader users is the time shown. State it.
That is 8:25
